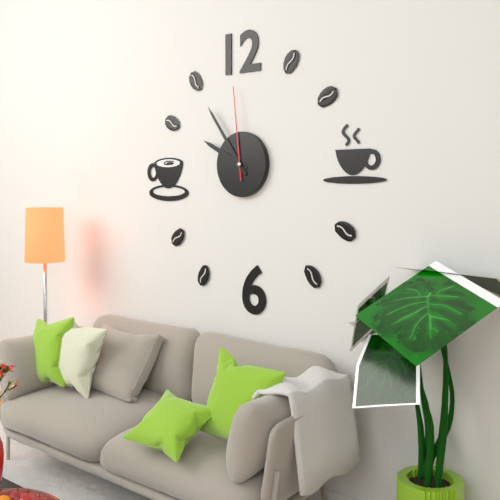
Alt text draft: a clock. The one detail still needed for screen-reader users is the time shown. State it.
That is 9:54:59
